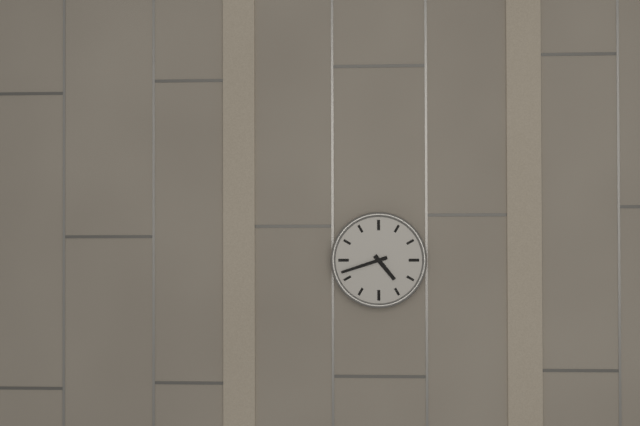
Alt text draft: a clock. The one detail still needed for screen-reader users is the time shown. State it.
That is 4:42
